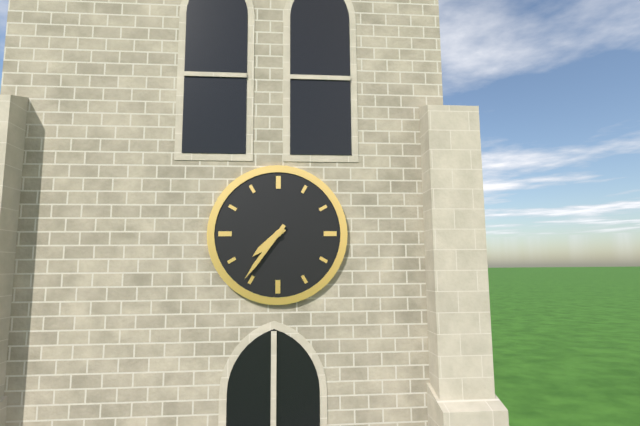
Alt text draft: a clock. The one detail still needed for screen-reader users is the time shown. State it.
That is 7:36
